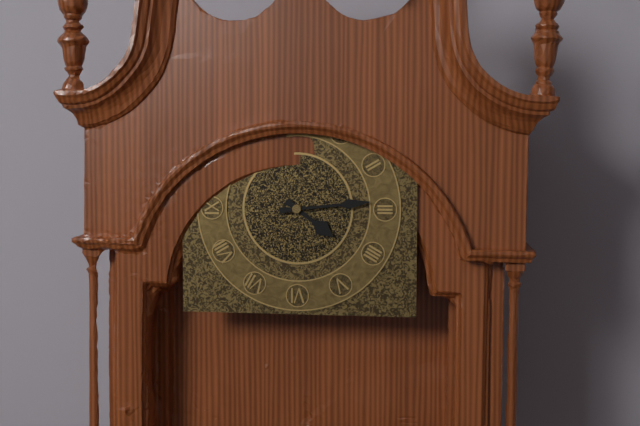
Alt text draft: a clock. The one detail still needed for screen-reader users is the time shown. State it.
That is 4:14
